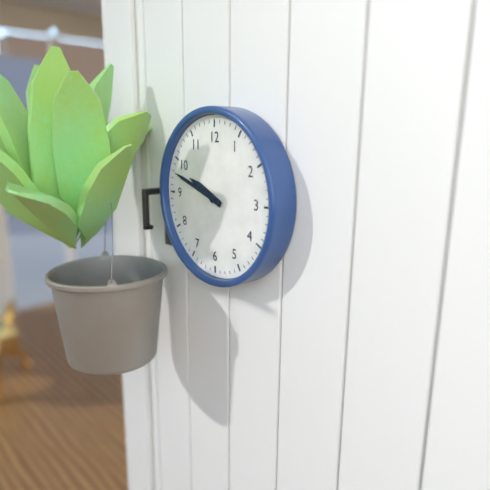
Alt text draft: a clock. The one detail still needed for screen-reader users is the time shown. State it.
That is 9:48
